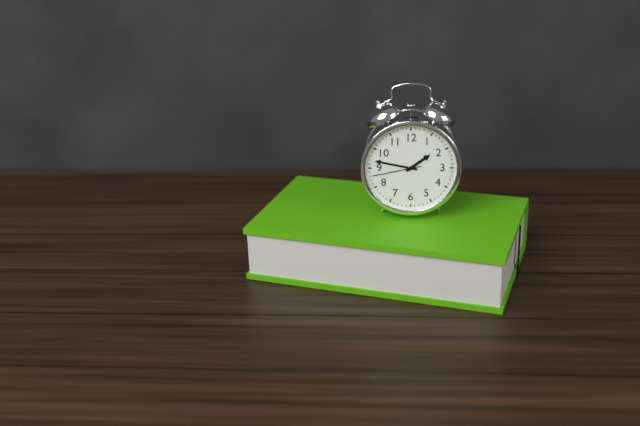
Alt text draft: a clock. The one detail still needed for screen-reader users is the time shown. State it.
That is 1:47
